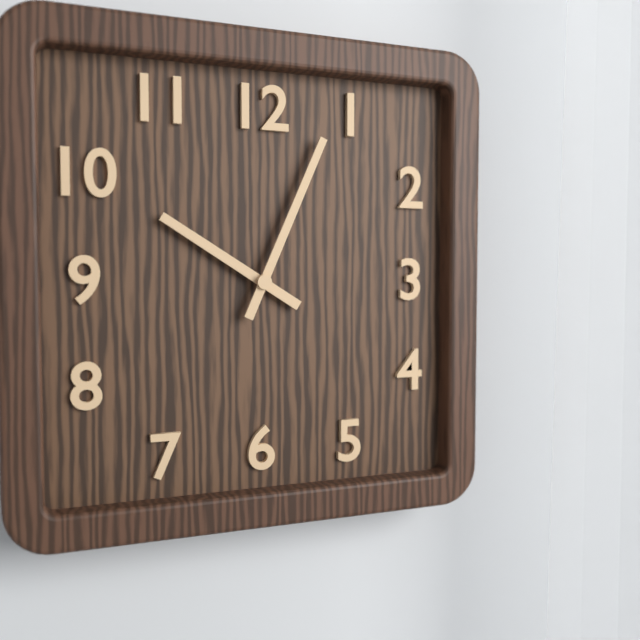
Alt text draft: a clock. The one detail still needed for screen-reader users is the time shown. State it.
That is 10:04
